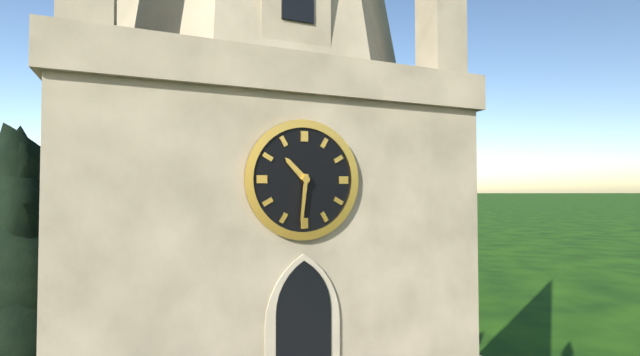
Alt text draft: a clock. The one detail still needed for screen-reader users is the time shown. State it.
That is 10:31
